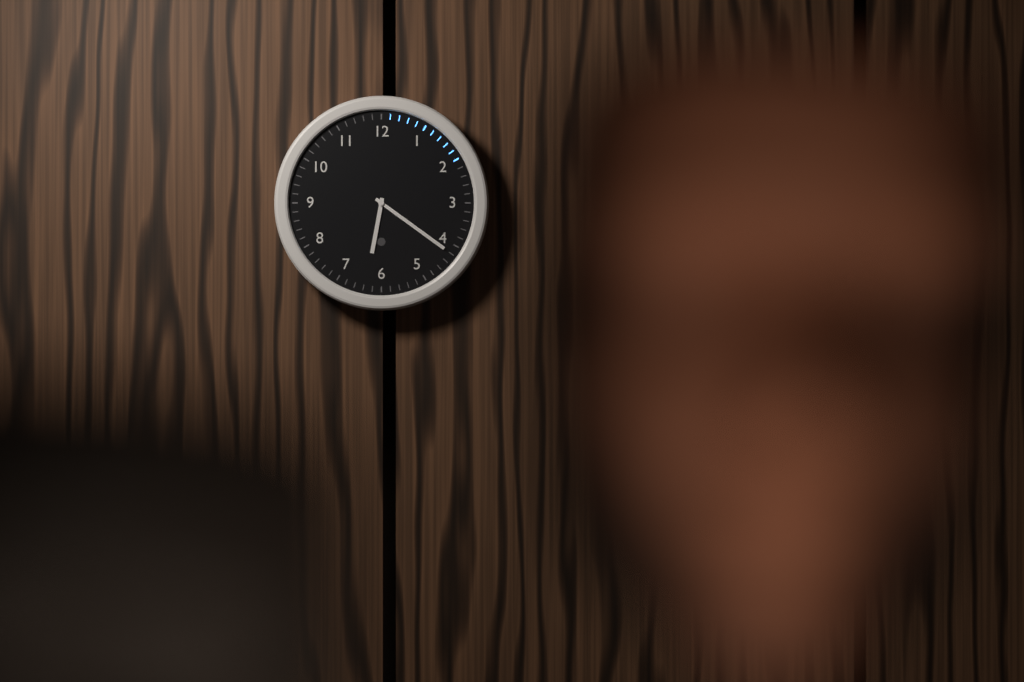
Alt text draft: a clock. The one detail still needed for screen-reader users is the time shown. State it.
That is 6:21
